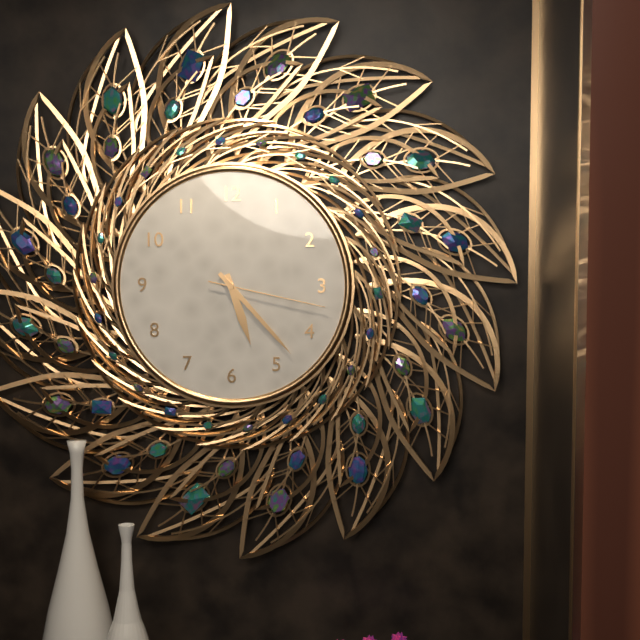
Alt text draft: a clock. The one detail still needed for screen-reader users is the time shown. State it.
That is 5:23:17
